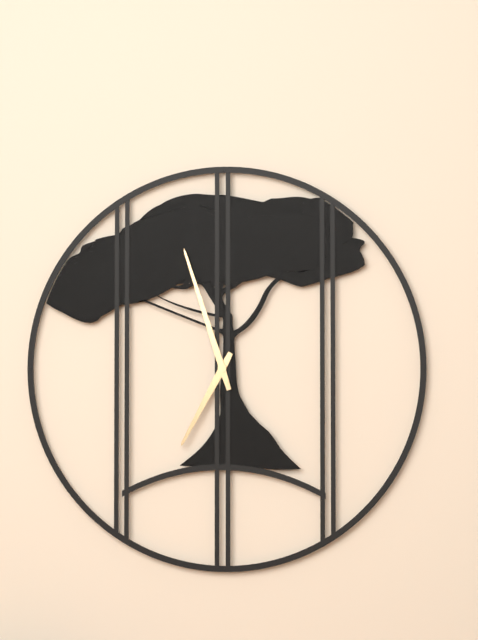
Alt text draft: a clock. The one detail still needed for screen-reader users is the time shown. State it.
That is 6:57
